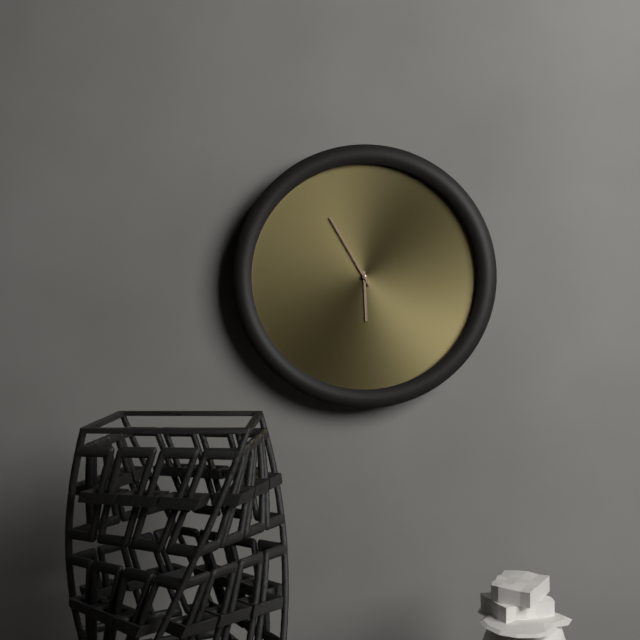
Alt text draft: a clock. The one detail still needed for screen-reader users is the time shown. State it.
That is 5:55
